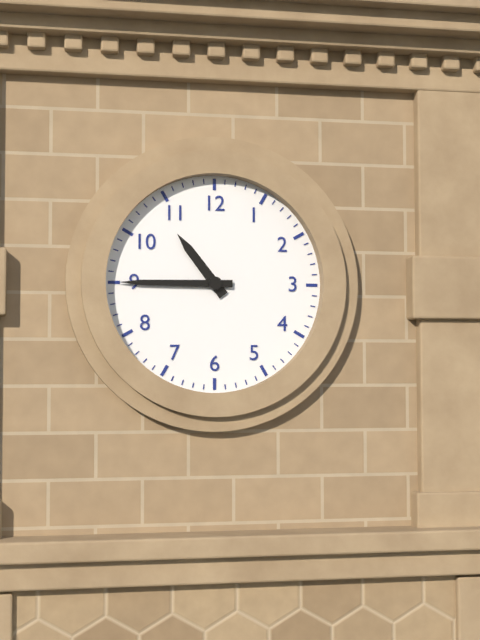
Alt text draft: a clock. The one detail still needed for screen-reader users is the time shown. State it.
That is 10:45
